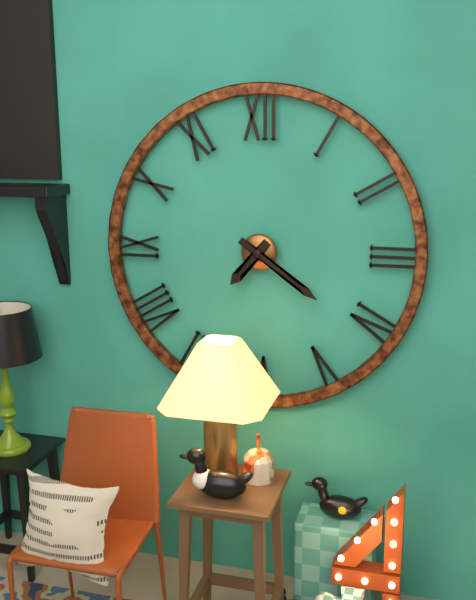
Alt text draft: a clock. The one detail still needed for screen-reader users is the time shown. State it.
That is 7:21
